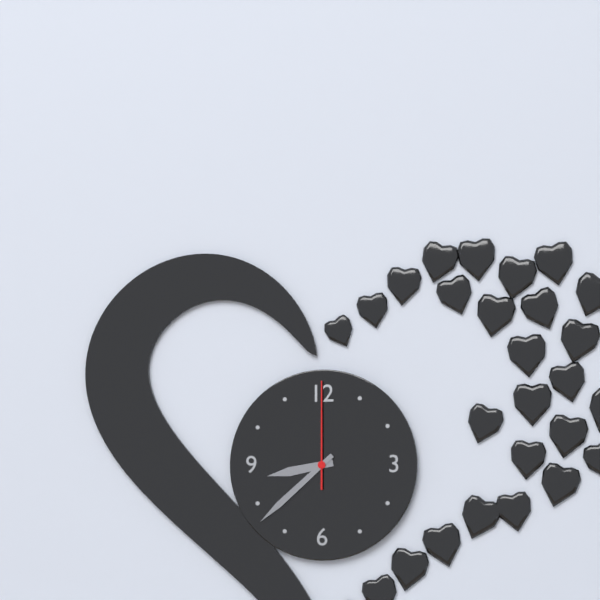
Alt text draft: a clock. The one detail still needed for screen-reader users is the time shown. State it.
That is 8:38:00
